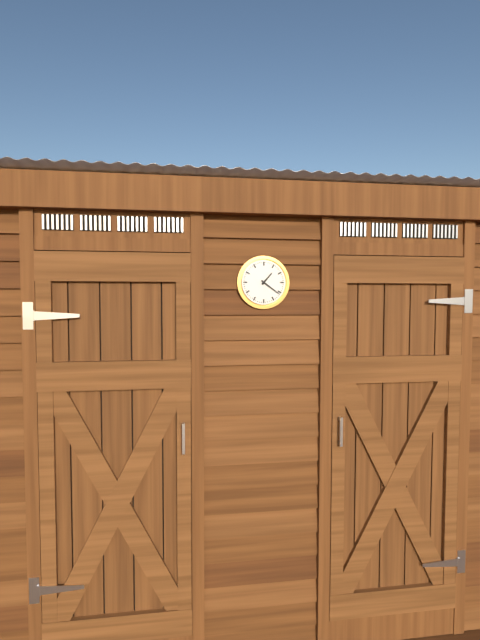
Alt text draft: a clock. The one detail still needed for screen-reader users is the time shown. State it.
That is 1:21
